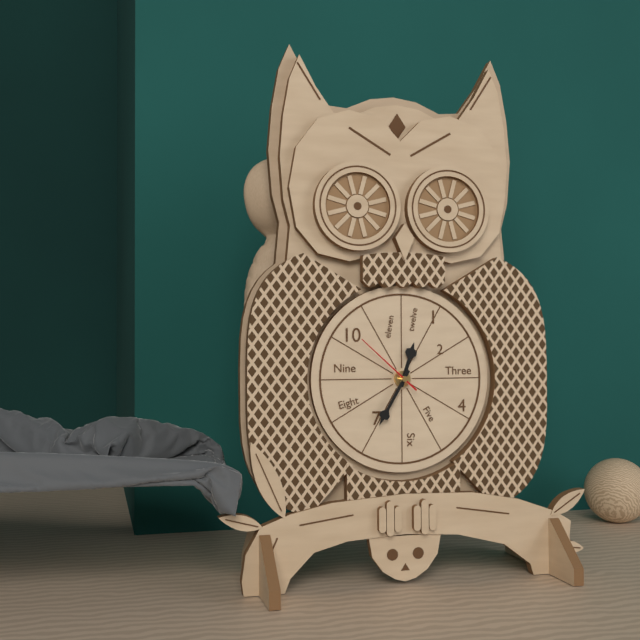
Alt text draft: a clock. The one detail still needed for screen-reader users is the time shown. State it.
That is 12:35:52
